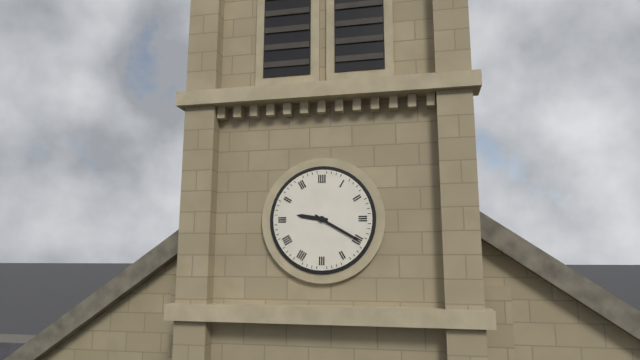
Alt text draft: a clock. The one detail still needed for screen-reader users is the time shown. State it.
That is 9:20
